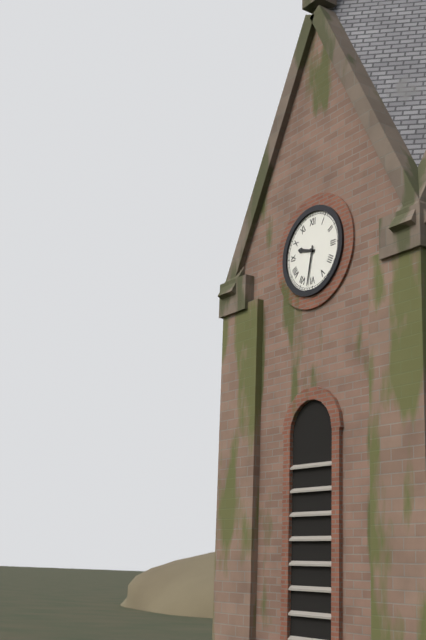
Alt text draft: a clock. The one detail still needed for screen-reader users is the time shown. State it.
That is 9:32
